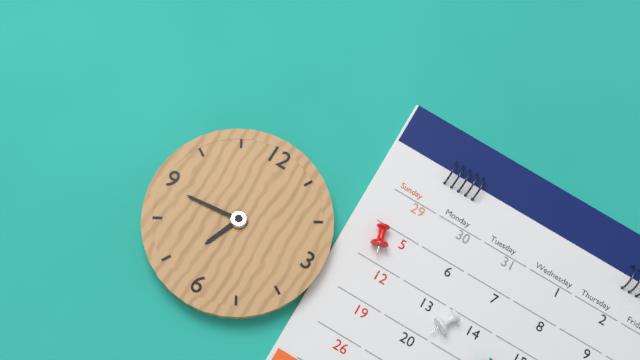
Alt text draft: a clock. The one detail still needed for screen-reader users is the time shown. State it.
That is 6:44
